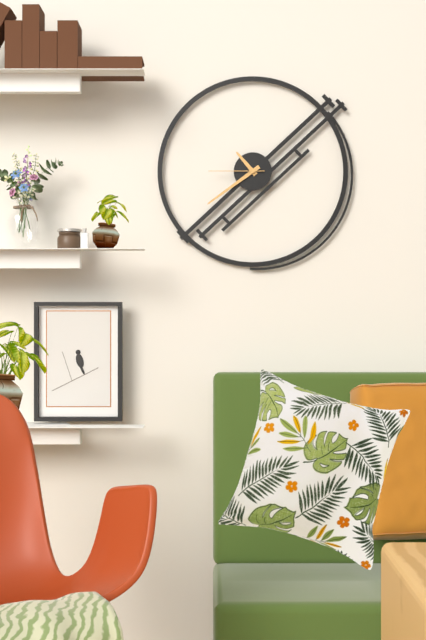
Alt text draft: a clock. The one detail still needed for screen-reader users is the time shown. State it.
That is 10:39:45
